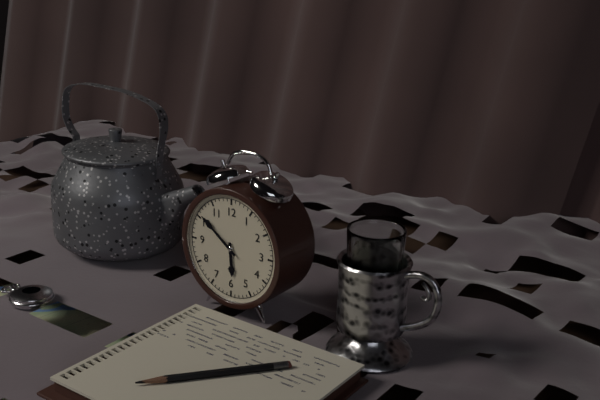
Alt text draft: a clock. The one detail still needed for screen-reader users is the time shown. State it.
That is 5:51
